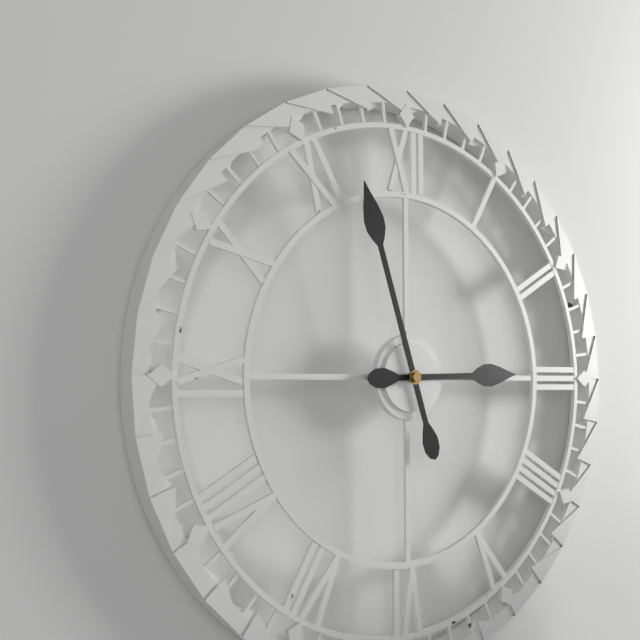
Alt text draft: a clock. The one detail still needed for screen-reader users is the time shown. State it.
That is 2:57
